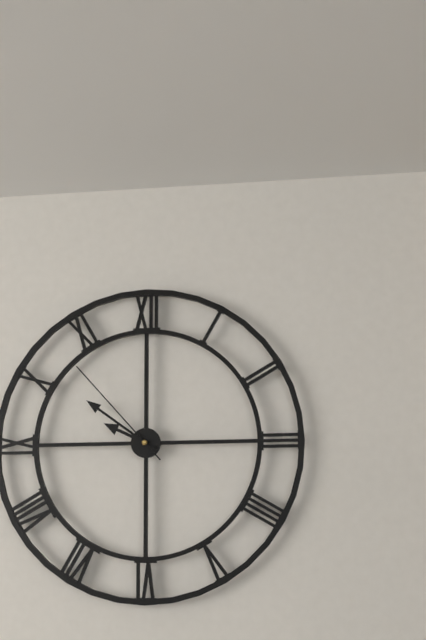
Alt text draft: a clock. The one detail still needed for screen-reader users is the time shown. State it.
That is 9:51:53
